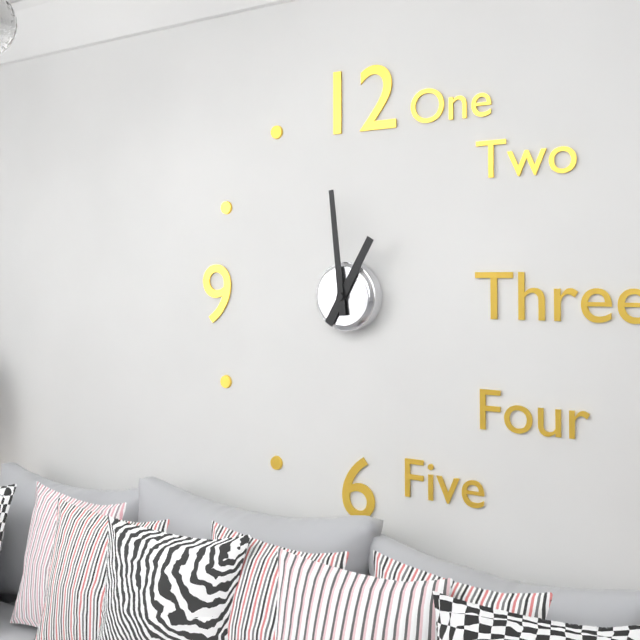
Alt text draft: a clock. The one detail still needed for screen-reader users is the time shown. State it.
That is 12:59
